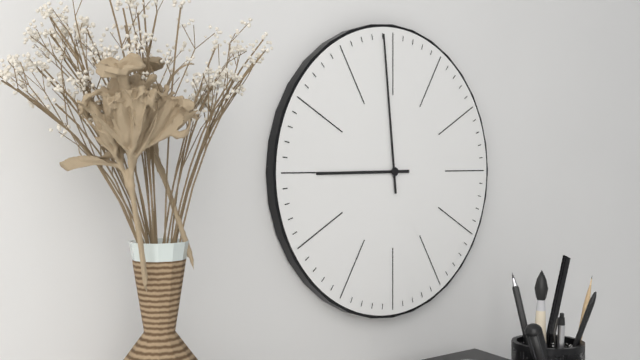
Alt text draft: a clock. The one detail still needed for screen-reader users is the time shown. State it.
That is 8:59
